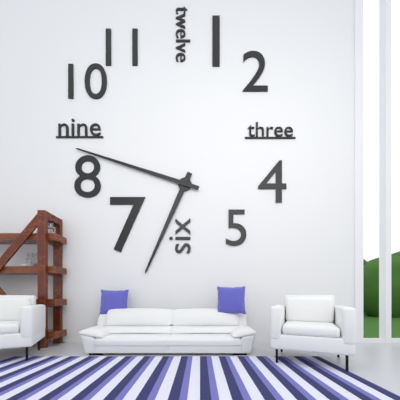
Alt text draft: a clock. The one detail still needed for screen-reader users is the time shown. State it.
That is 6:48
